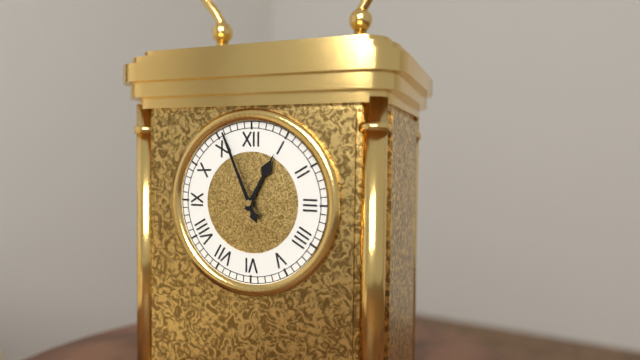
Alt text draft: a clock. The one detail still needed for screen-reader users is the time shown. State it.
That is 12:56
